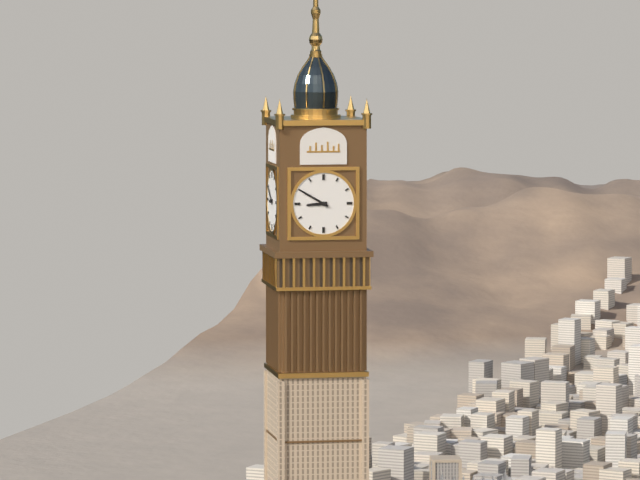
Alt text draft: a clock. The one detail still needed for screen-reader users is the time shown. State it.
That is 8:50
